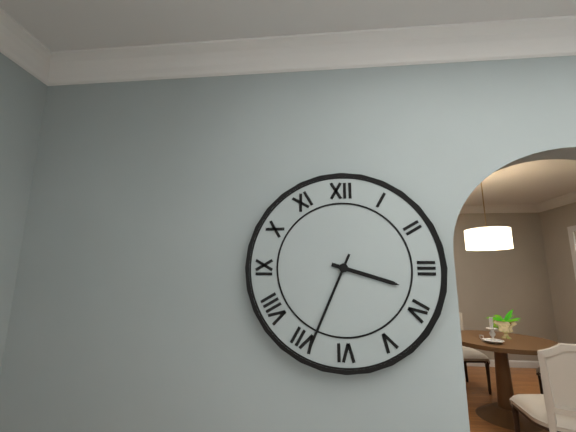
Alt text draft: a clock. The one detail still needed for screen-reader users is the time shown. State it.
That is 3:34
